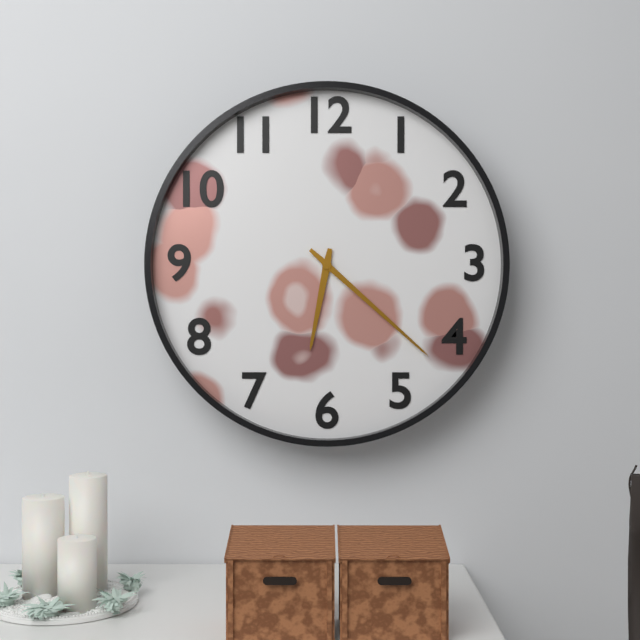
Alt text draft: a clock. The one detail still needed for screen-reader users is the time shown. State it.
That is 6:22
